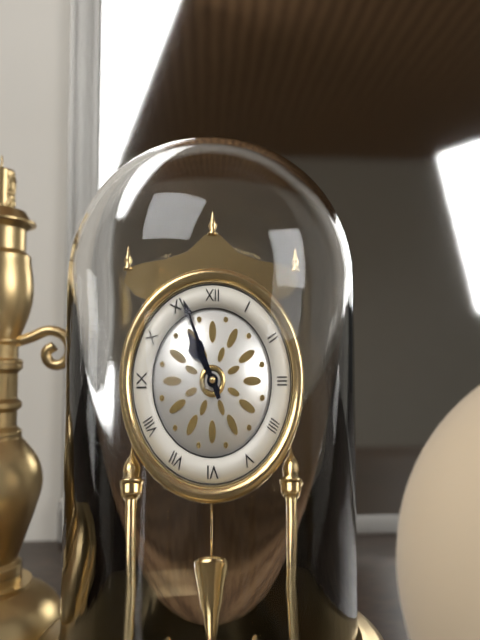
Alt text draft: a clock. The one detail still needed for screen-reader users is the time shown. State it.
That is 10:56
